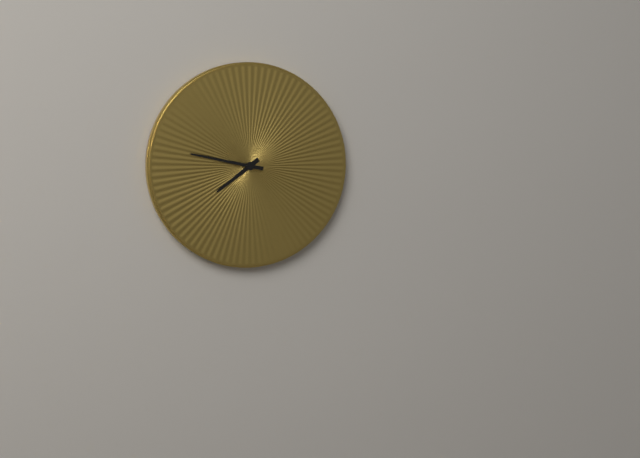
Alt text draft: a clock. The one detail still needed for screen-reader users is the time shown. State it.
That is 7:47
